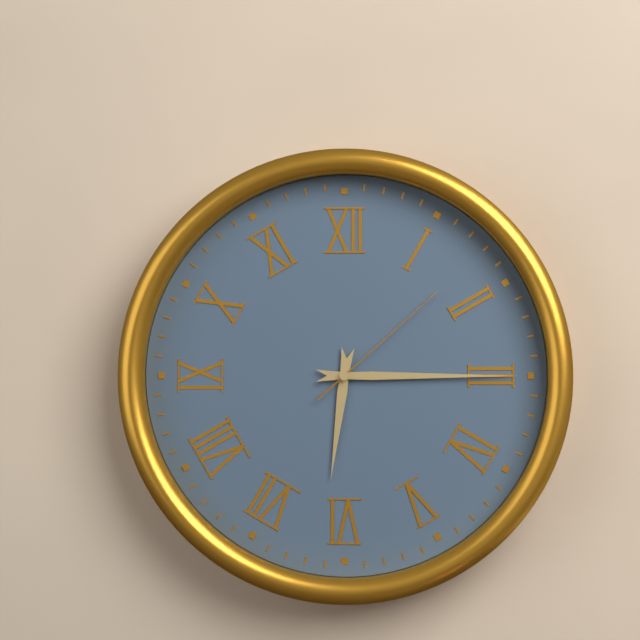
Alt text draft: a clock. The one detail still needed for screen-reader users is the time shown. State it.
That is 6:15:08
